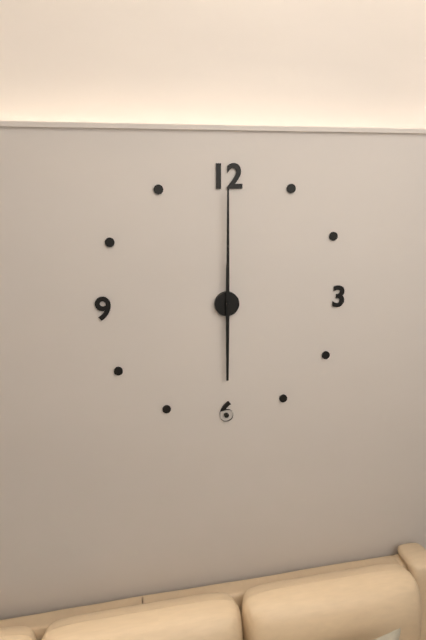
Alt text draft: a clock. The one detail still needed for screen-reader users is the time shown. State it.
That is 6:00
